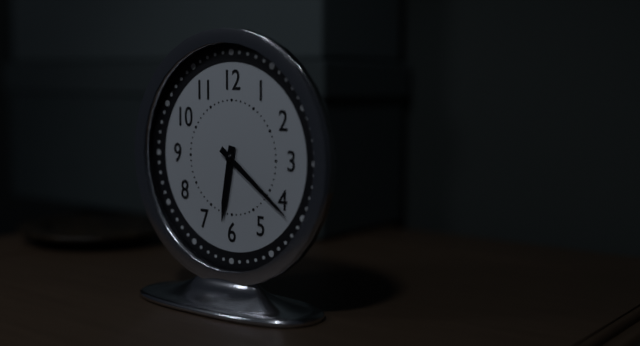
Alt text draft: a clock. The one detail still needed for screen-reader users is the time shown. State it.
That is 6:21
